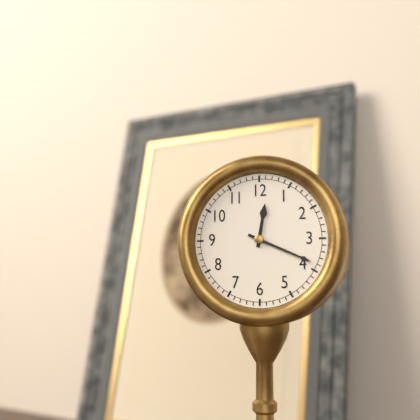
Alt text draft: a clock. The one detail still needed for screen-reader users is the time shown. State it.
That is 12:19
